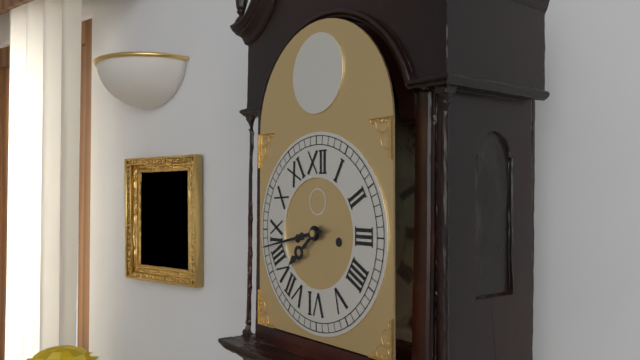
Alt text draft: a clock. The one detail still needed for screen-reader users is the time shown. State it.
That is 7:43
